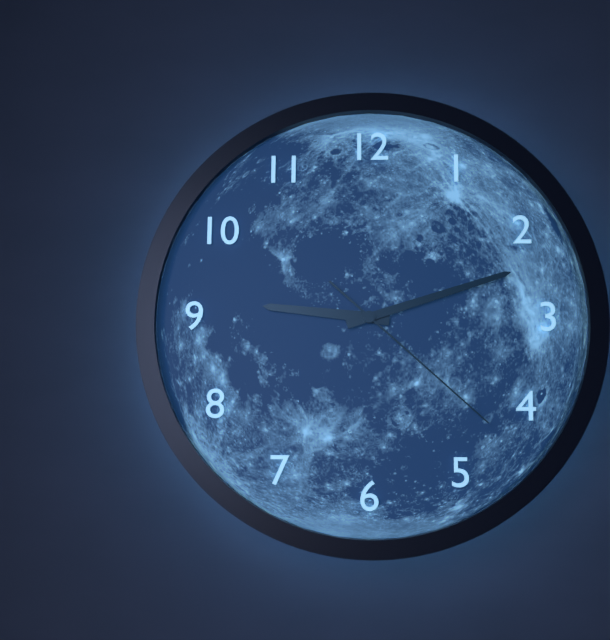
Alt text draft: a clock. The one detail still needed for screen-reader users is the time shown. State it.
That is 9:12:22
